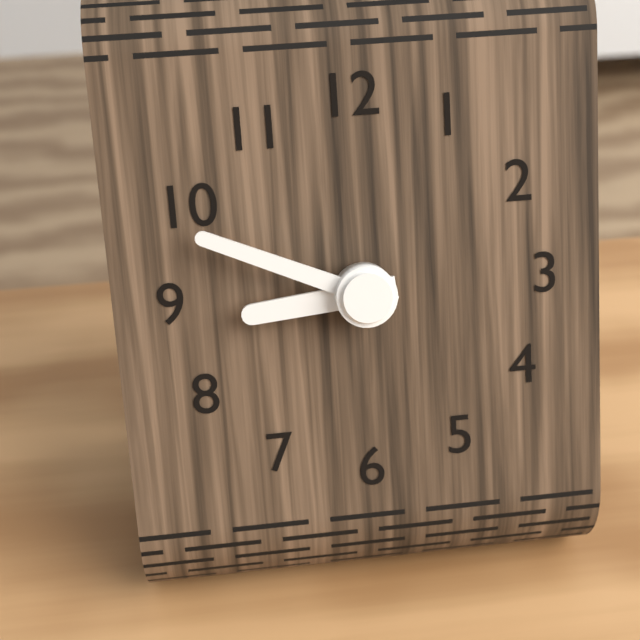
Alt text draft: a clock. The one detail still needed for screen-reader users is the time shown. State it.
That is 8:49
